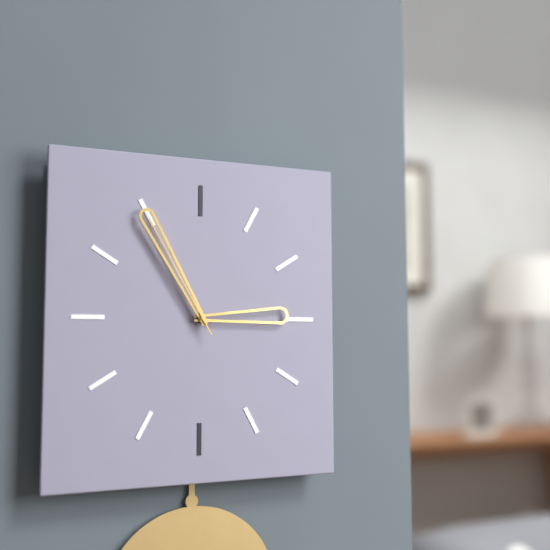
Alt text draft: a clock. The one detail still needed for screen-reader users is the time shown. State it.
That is 2:55:55
